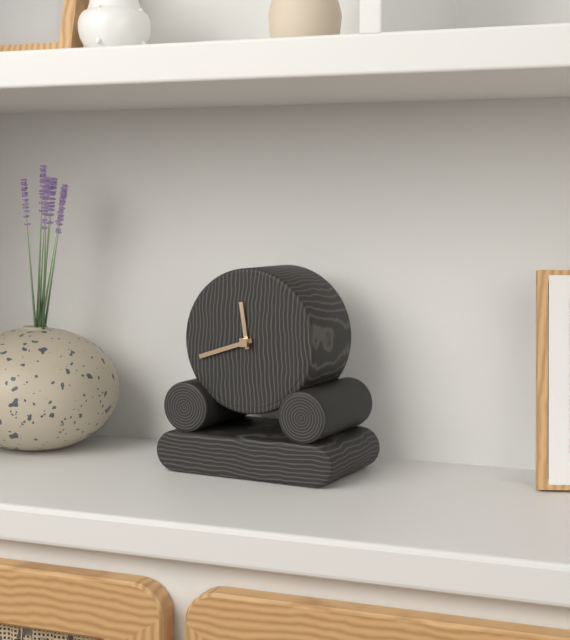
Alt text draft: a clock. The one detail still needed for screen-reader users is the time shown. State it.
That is 11:42
